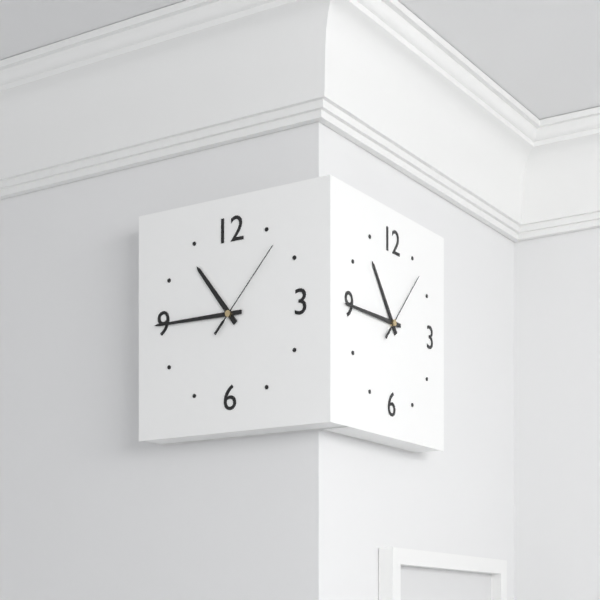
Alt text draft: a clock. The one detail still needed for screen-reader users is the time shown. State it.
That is 10:45:07
